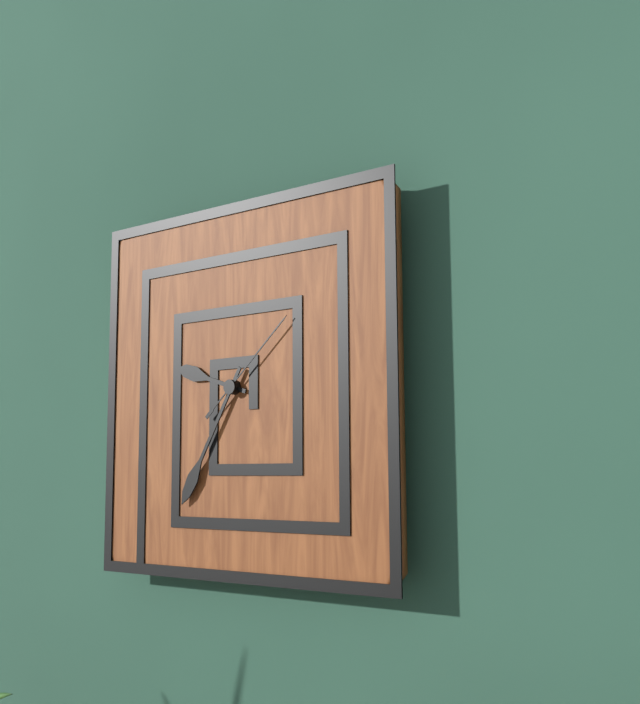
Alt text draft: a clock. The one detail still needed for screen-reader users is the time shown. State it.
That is 9:35:08
